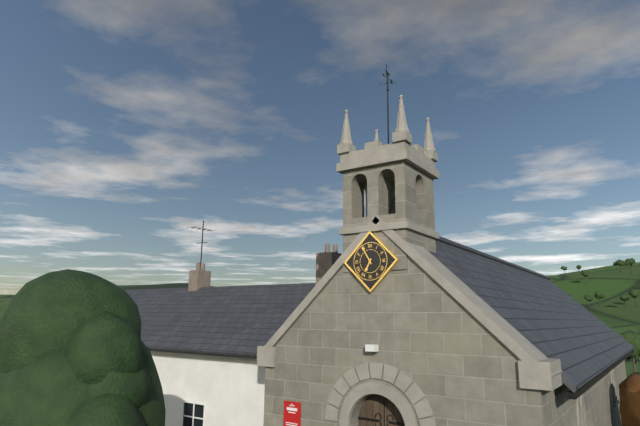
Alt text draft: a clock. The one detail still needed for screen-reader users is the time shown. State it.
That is 6:55
